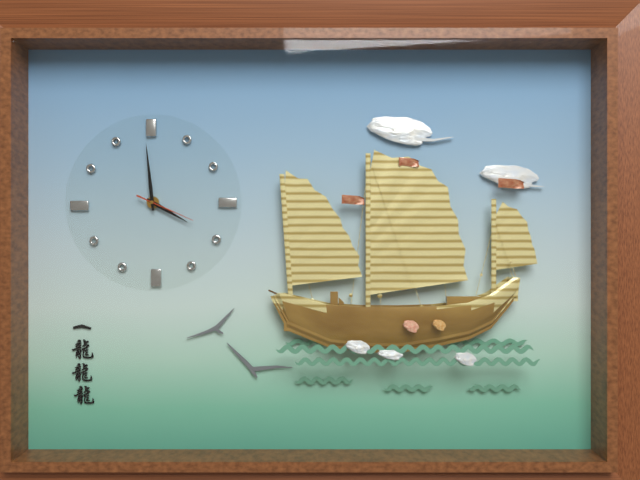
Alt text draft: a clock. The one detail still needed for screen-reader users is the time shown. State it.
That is 3:59:19
